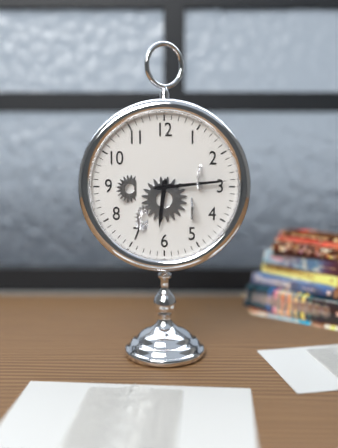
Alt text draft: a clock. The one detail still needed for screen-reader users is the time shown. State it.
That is 6:14
